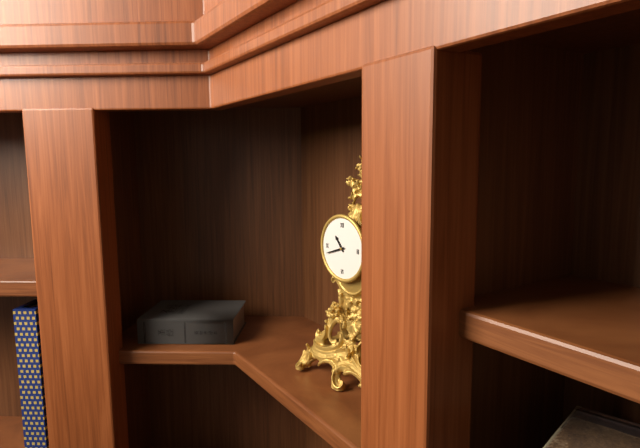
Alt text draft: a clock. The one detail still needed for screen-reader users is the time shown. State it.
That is 10:42
